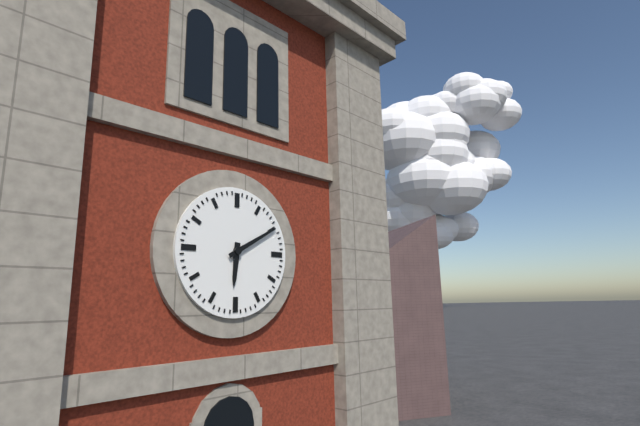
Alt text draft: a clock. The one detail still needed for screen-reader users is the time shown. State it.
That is 6:10
